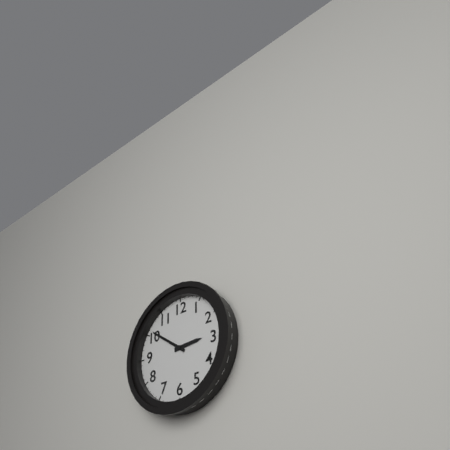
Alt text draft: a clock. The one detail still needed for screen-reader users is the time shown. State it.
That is 2:51
